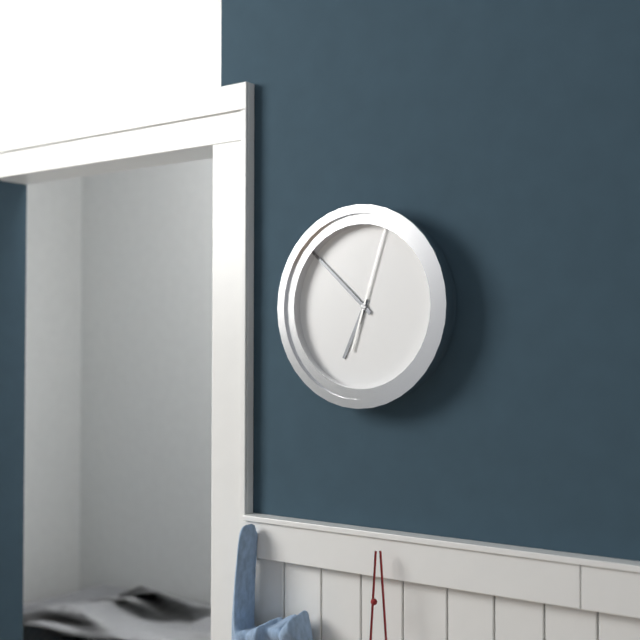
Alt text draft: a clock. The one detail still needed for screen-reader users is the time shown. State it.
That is 6:52:03
